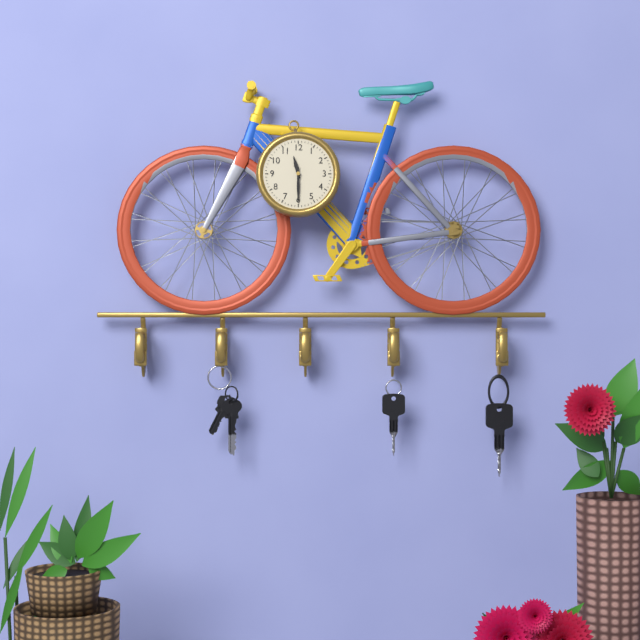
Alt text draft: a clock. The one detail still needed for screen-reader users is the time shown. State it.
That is 11:30
